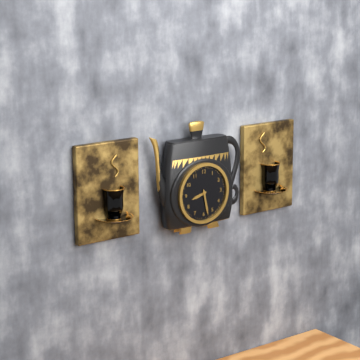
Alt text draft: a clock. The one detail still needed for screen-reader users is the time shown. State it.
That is 8:28
